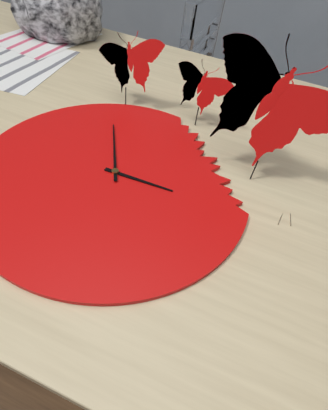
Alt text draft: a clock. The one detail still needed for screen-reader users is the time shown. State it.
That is 2:55
